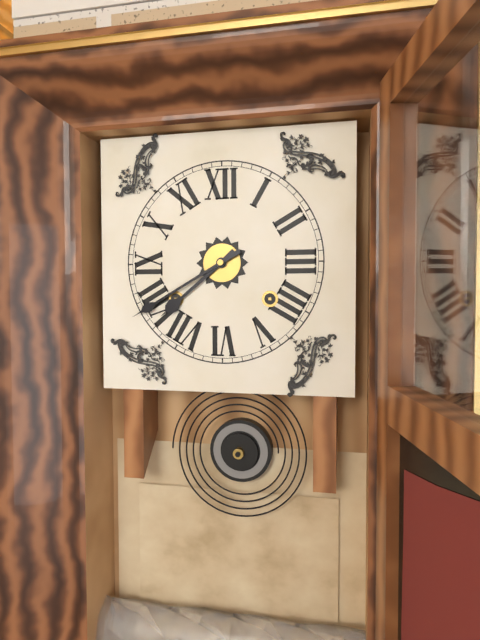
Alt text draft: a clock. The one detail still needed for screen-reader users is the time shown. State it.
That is 7:40
